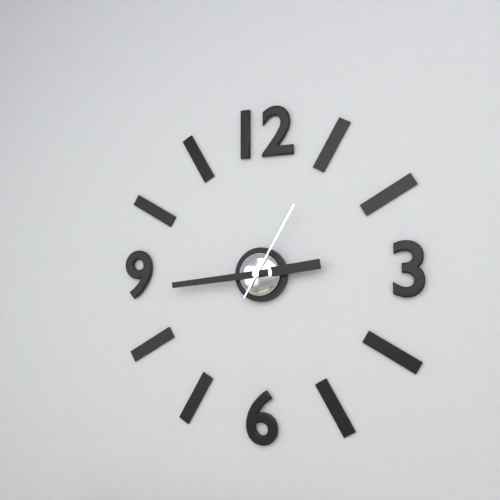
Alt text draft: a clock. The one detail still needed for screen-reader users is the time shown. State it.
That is 2:44:05
